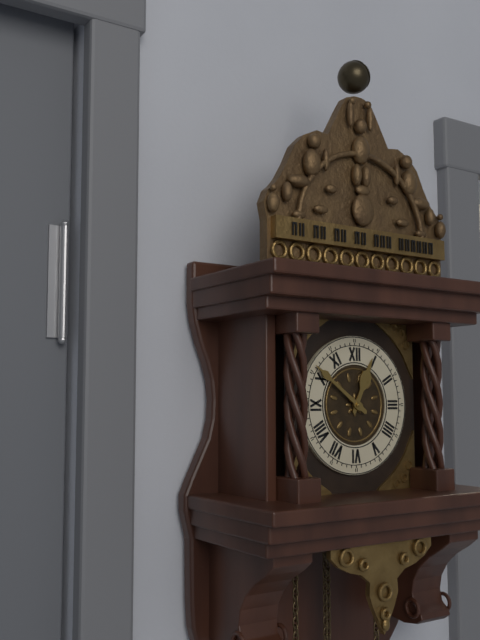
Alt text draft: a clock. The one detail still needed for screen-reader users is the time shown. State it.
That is 12:51
